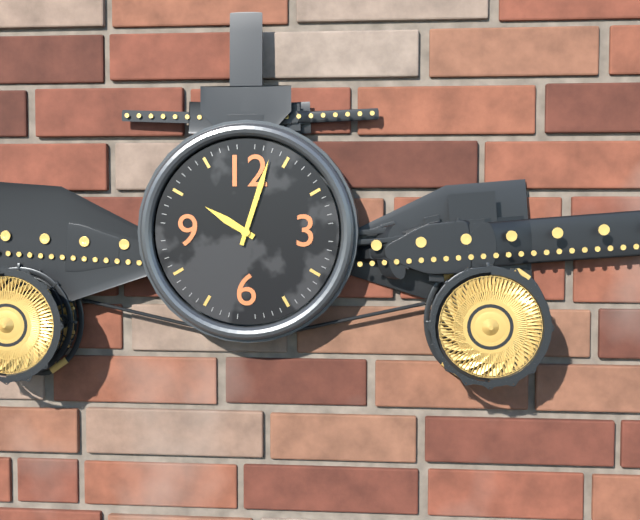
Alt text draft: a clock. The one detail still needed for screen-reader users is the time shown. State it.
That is 10:03
